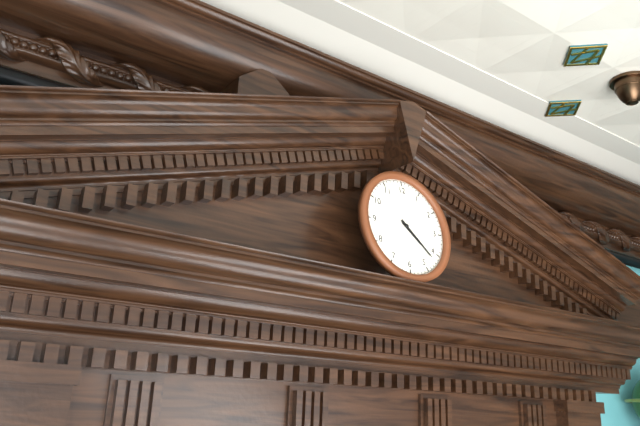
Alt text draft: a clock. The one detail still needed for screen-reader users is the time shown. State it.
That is 4:22
